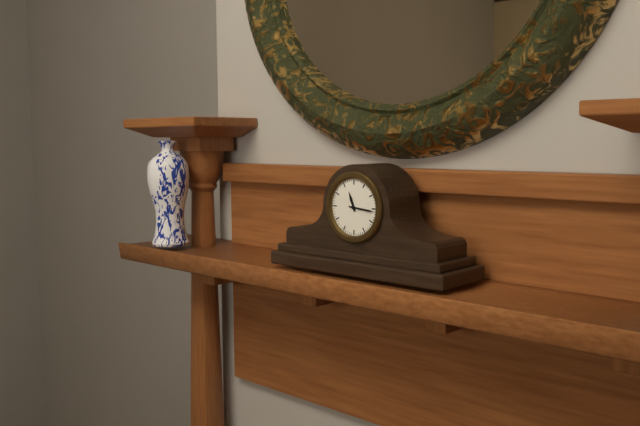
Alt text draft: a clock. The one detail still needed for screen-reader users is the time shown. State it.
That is 11:16
